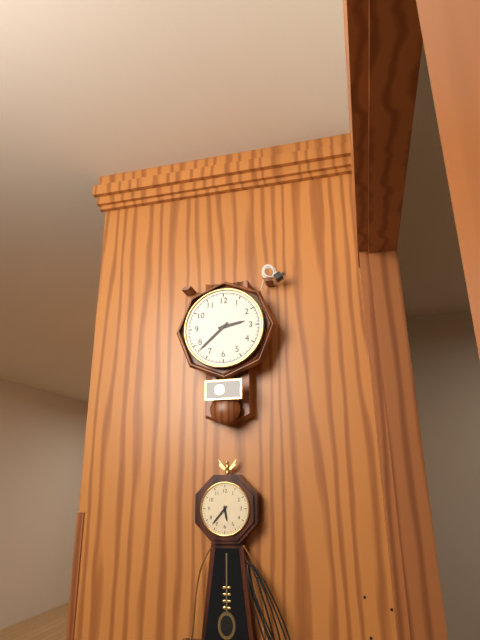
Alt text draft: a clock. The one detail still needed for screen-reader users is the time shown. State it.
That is 2:38
